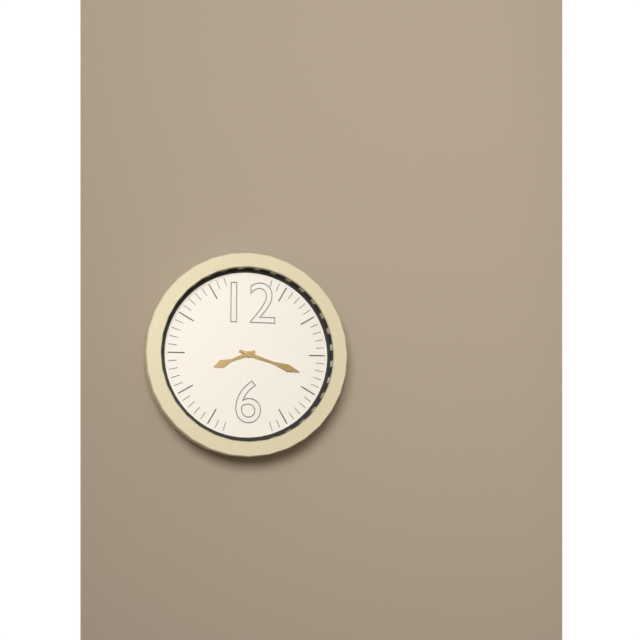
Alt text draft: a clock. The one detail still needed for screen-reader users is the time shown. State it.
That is 8:18
